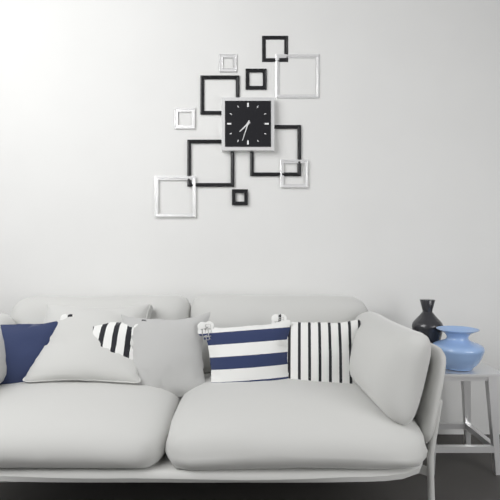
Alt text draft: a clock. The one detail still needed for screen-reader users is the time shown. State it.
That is 7:33
